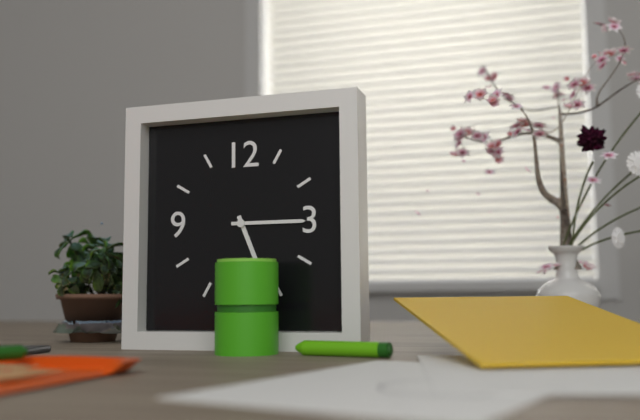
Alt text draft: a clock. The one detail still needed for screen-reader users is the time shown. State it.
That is 5:15
